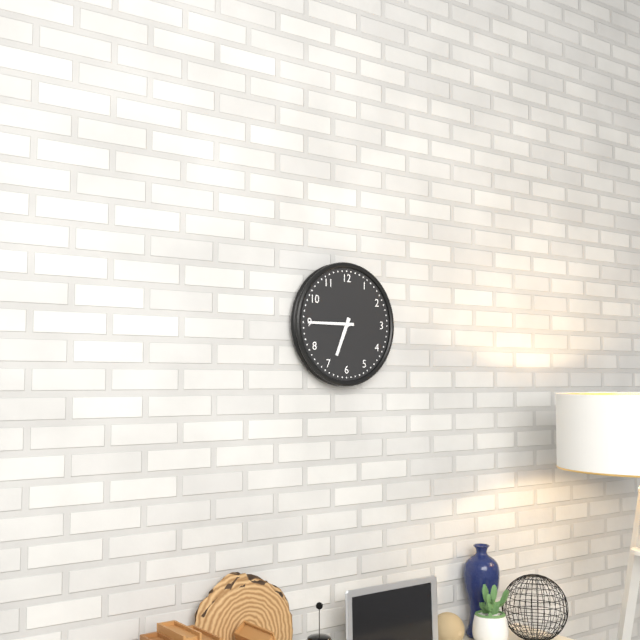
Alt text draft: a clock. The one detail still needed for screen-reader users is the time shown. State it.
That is 6:45
